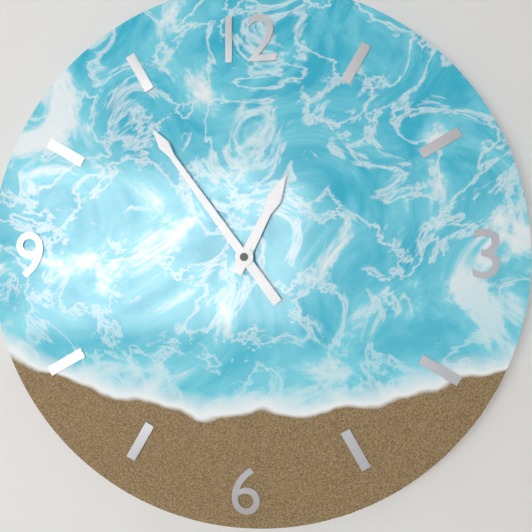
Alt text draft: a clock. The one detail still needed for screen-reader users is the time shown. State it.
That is 12:54
